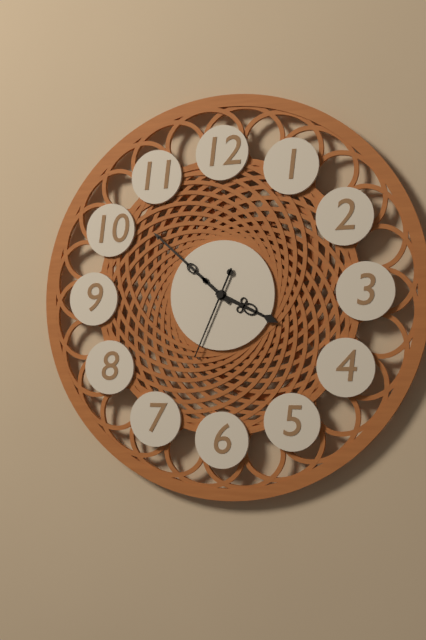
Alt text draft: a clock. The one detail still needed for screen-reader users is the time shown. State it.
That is 3:52:34
